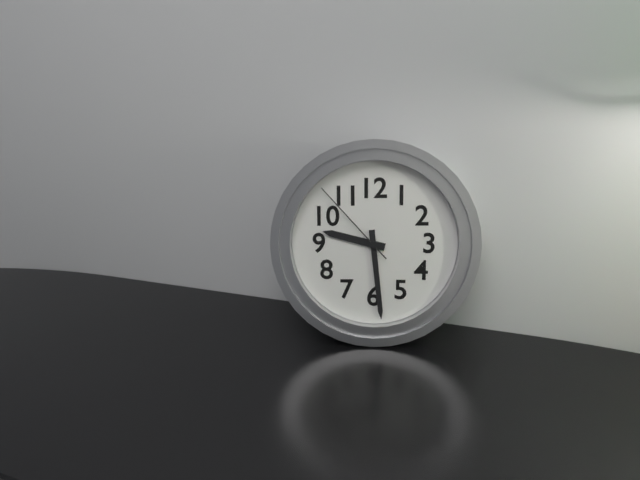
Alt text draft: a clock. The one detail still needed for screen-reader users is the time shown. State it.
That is 9:29:53
